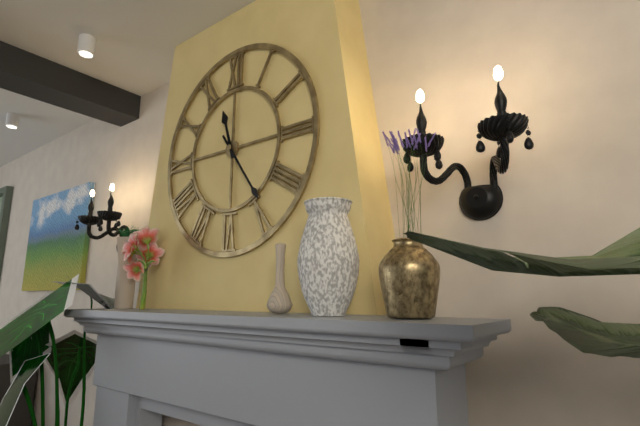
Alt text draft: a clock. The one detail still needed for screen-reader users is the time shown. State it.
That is 11:24
